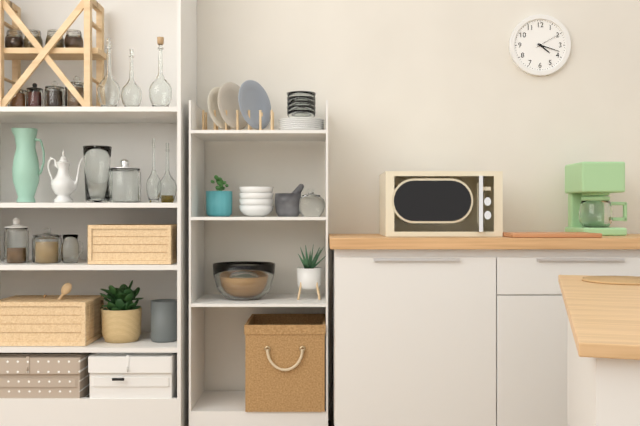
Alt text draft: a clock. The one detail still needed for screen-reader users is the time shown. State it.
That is 4:18
